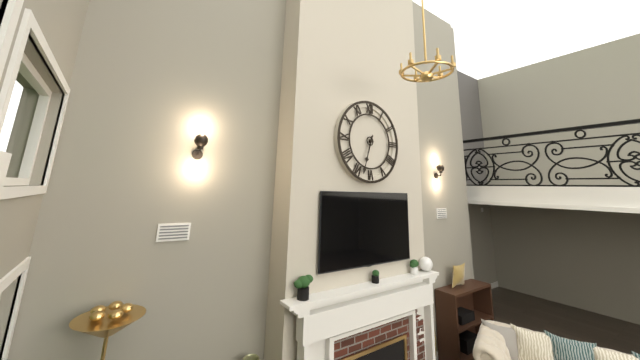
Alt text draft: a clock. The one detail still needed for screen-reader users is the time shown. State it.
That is 6:33
